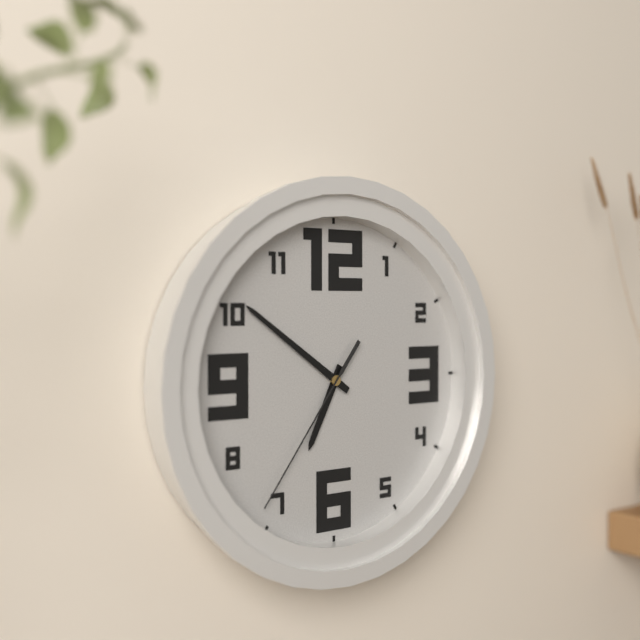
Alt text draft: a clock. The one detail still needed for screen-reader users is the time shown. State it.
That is 6:51:36
